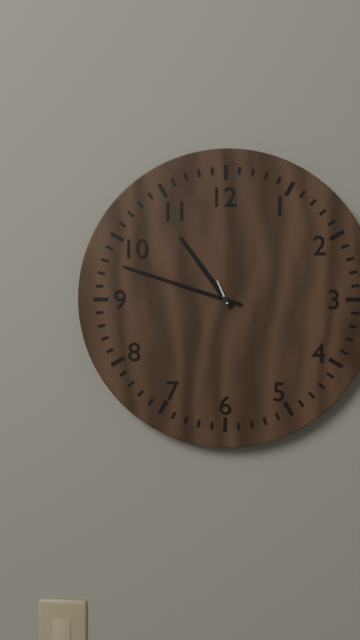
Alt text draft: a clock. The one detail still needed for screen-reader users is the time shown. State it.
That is 10:48
